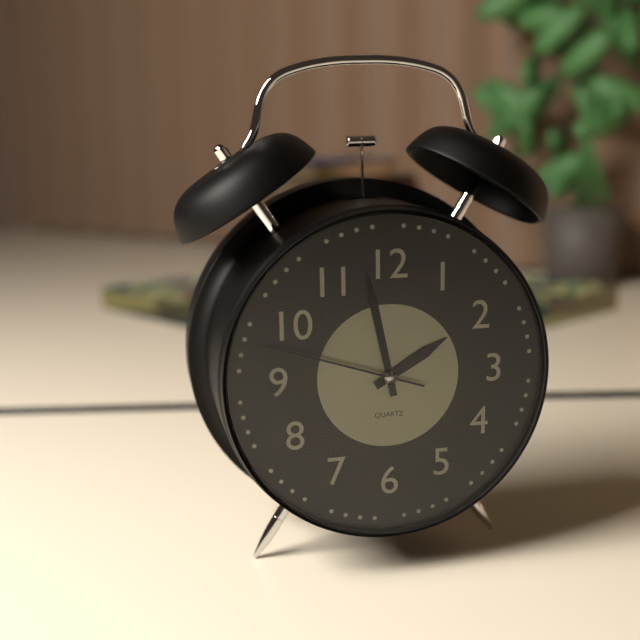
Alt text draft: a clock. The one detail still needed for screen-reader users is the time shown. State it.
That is 1:58:48
